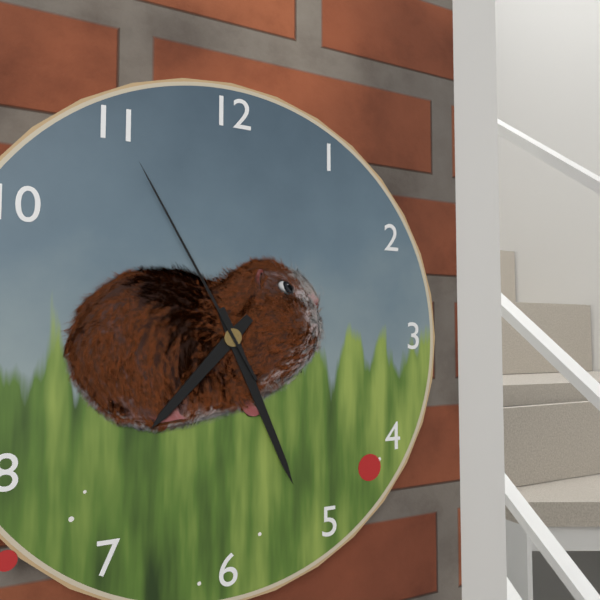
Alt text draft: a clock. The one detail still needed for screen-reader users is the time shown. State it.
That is 7:26:55
